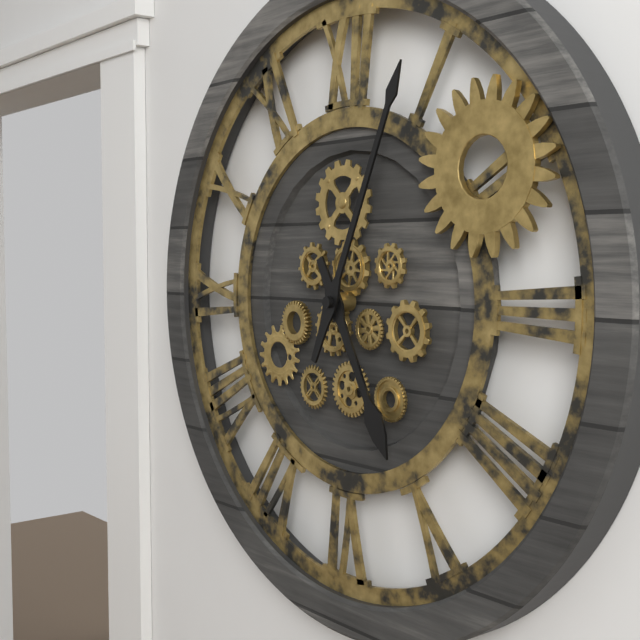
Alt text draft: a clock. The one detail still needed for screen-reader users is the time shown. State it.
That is 5:04
